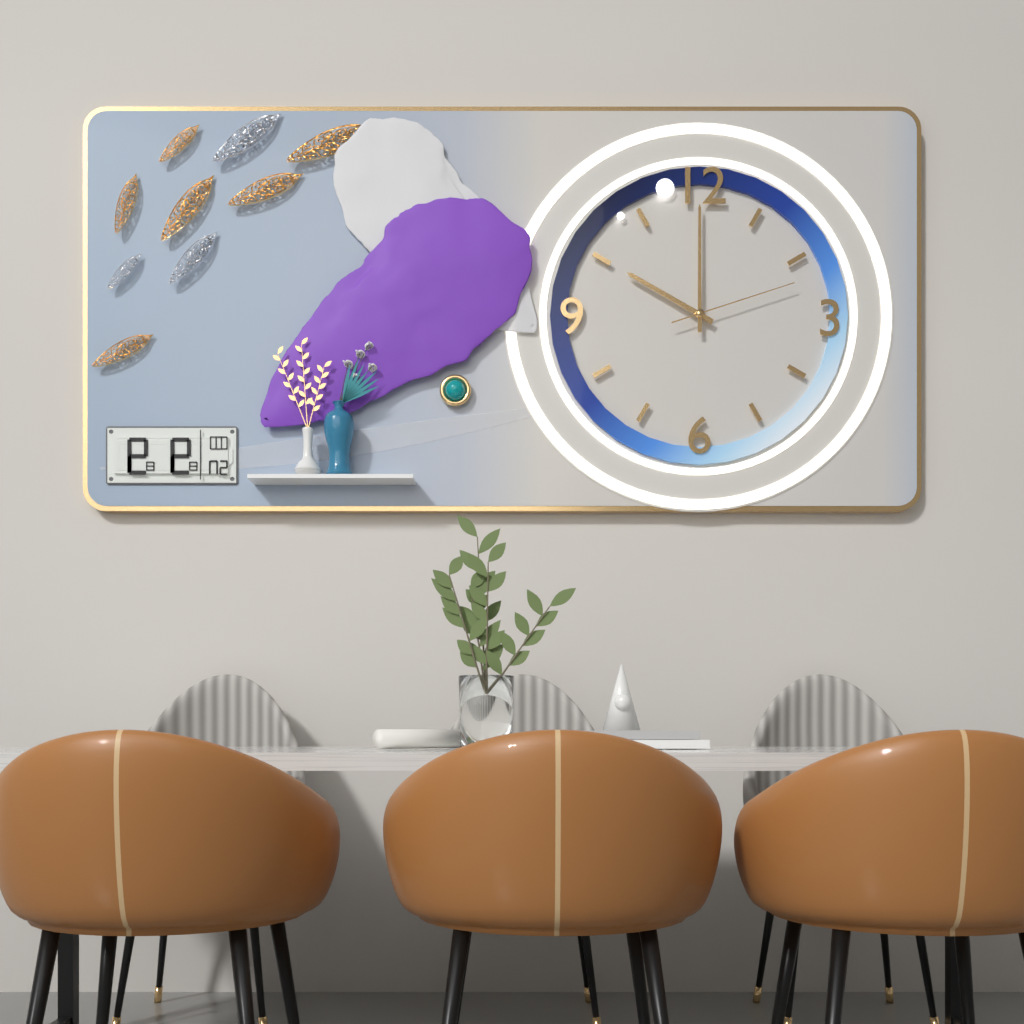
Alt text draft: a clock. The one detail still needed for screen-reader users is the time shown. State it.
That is 10:00:12
